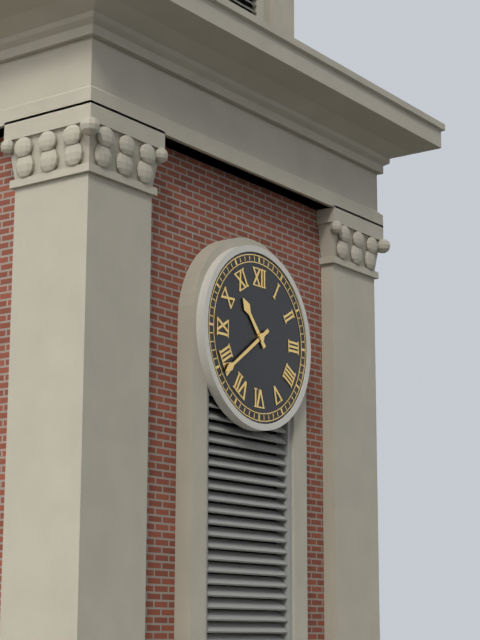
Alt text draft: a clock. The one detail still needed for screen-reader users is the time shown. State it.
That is 10:39
